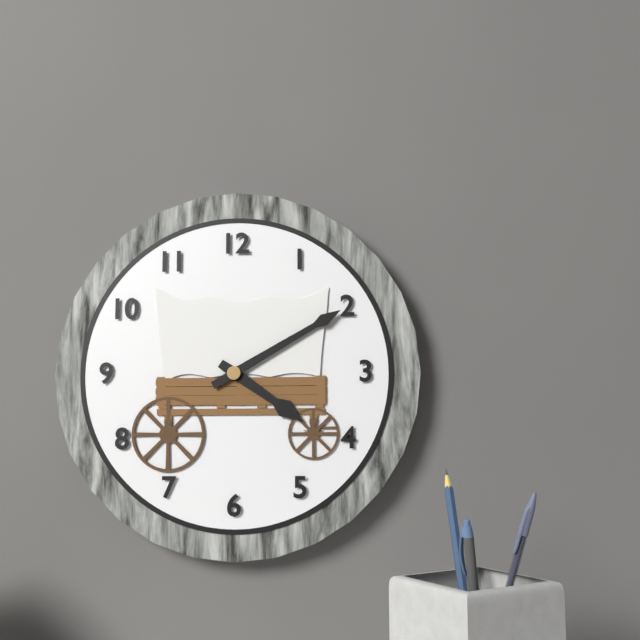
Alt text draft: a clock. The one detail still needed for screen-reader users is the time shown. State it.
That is 4:10
